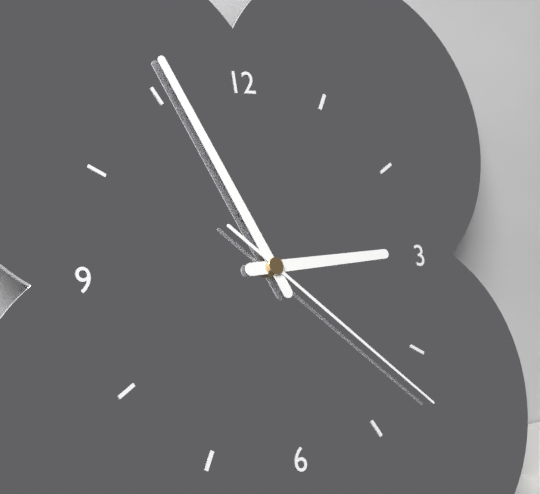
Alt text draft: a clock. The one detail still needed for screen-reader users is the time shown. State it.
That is 2:56:22
